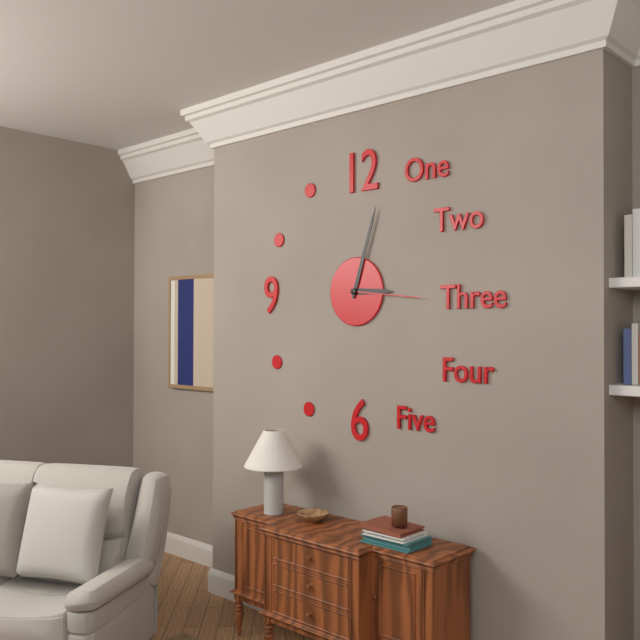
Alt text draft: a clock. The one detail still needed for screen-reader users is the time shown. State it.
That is 3:03:16
